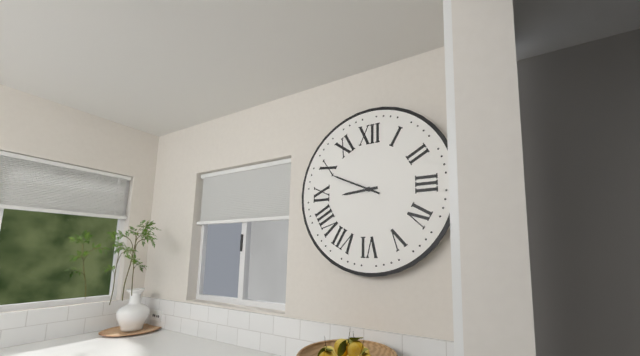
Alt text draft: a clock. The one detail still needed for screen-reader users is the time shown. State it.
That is 8:49
